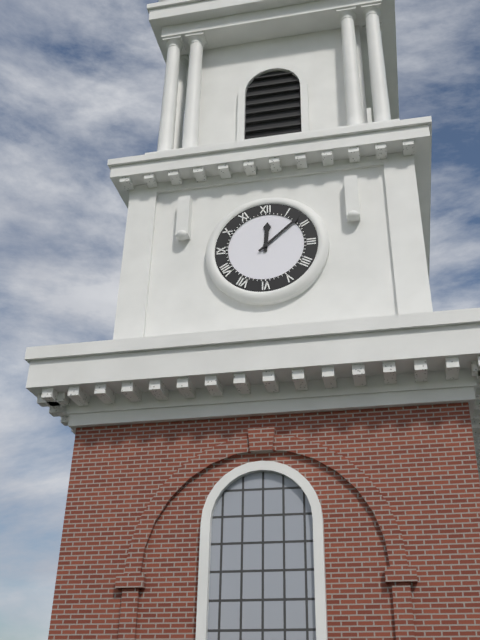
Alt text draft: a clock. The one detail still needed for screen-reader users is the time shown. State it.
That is 12:08
